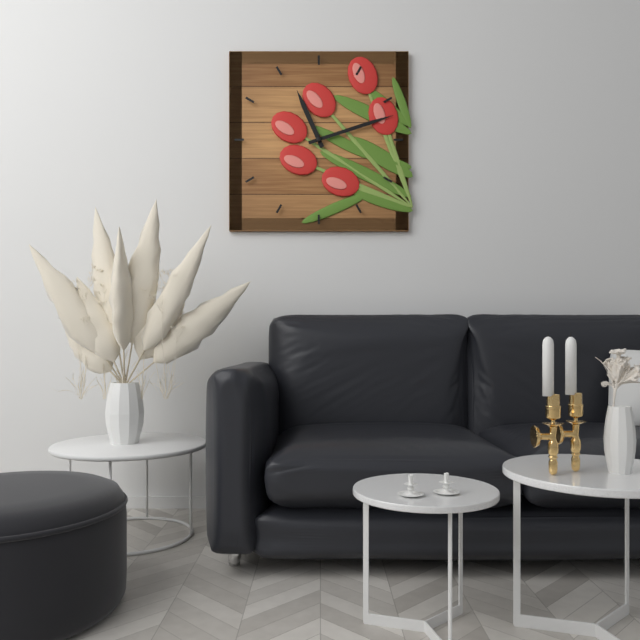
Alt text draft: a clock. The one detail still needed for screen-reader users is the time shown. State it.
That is 11:12
